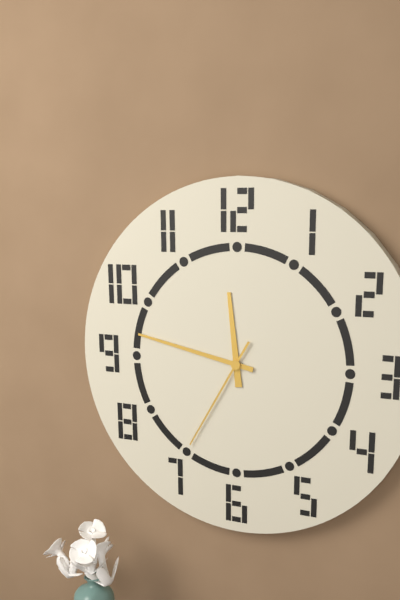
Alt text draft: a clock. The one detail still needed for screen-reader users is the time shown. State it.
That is 11:47:35
